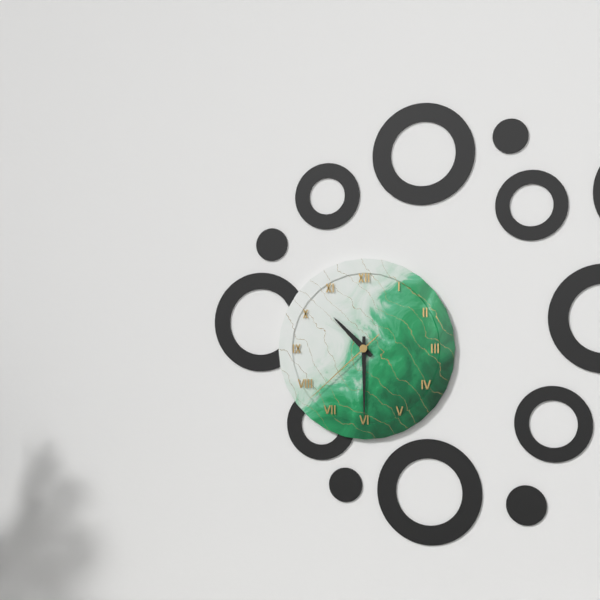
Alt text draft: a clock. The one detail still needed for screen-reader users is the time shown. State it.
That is 10:30:38
